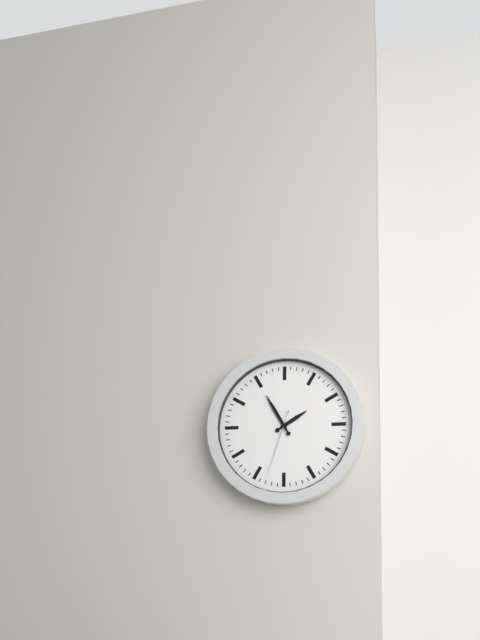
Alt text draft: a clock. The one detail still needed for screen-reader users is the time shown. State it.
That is 1:55:33
